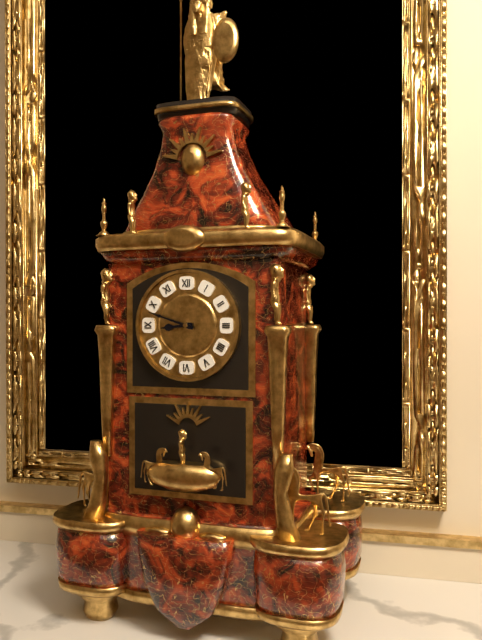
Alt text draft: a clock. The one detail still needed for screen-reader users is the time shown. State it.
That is 8:48
